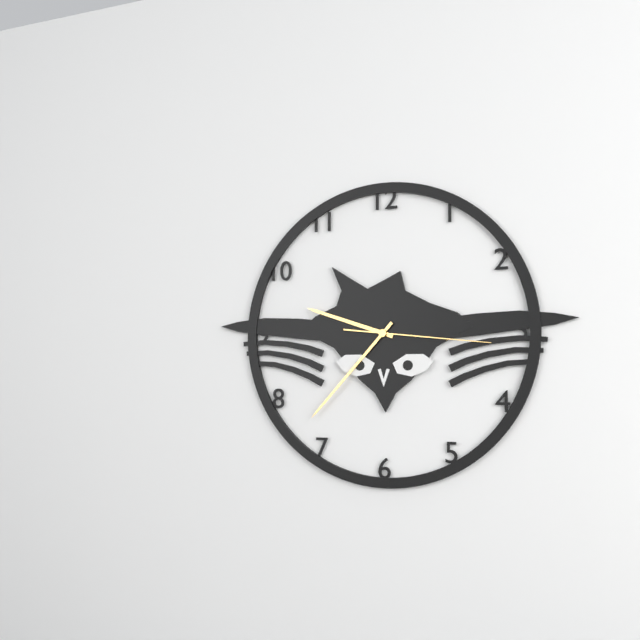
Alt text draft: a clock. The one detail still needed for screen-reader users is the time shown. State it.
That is 9:37:16
